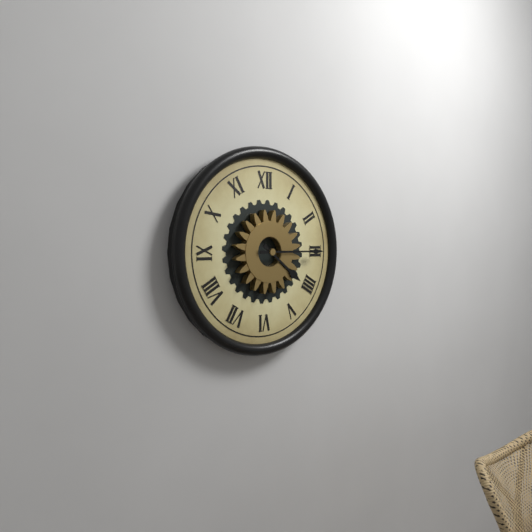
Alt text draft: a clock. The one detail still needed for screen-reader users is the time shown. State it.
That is 4:15
